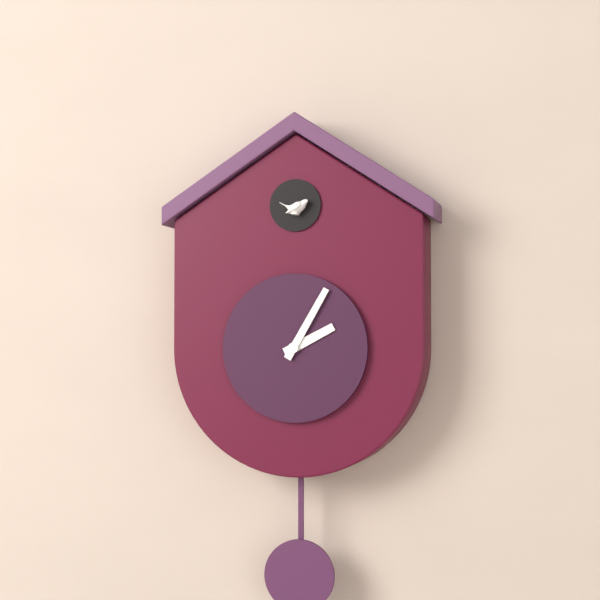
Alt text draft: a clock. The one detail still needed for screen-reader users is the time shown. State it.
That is 2:05
